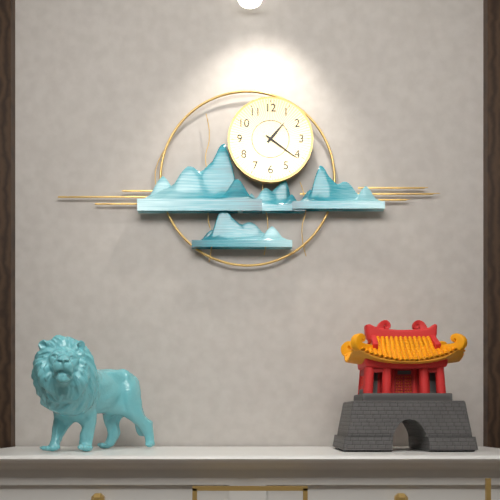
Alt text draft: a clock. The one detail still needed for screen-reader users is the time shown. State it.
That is 1:21
